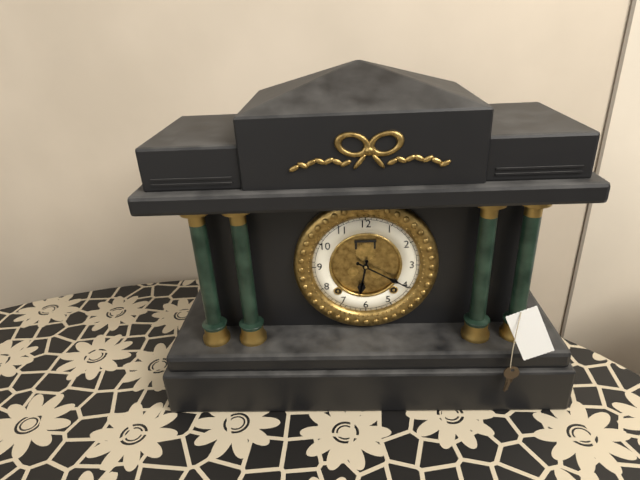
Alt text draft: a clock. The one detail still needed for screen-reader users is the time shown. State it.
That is 6:20
